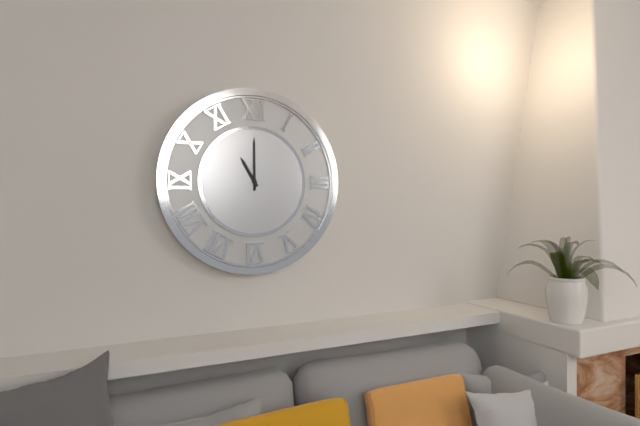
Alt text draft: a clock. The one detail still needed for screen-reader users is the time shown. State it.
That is 11:00
